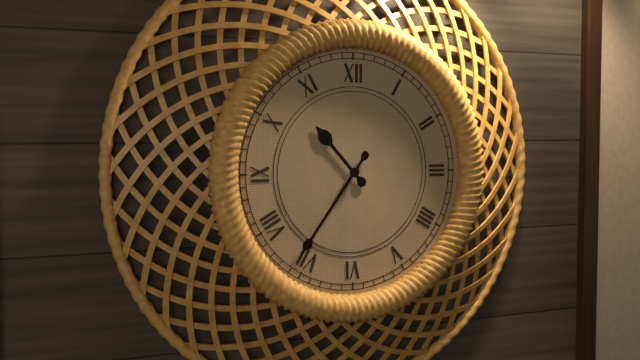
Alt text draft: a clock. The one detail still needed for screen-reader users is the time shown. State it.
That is 10:36
